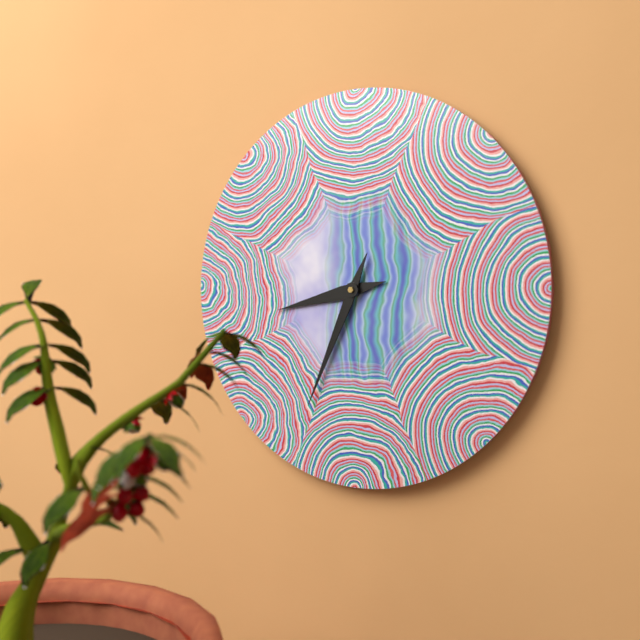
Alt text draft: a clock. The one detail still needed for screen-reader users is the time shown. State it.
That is 8:34
